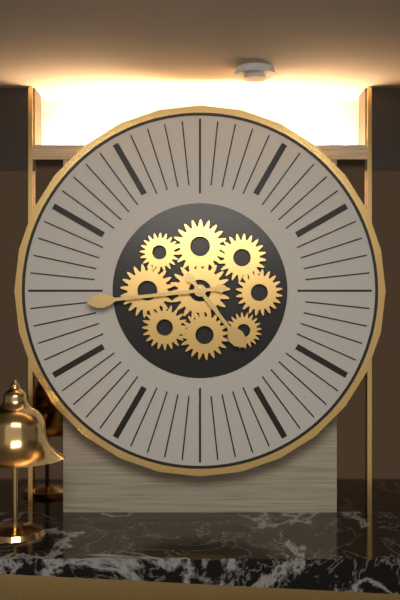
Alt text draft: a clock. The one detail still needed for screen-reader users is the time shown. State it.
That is 4:44
